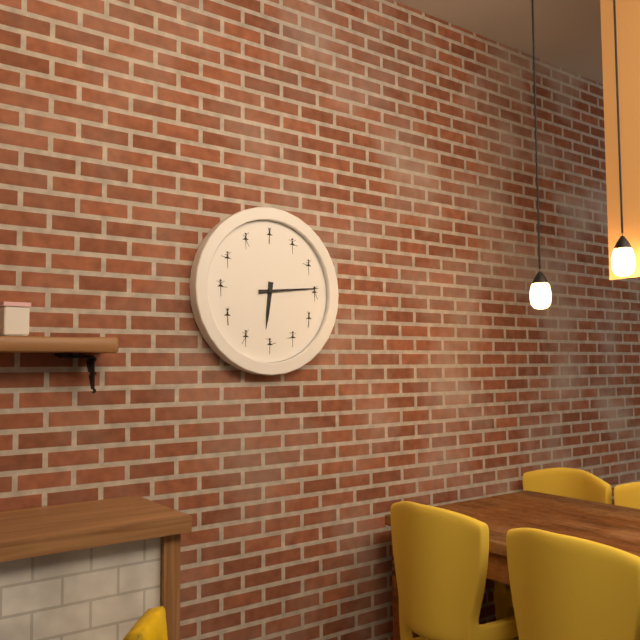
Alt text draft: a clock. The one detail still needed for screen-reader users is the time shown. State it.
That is 6:14
